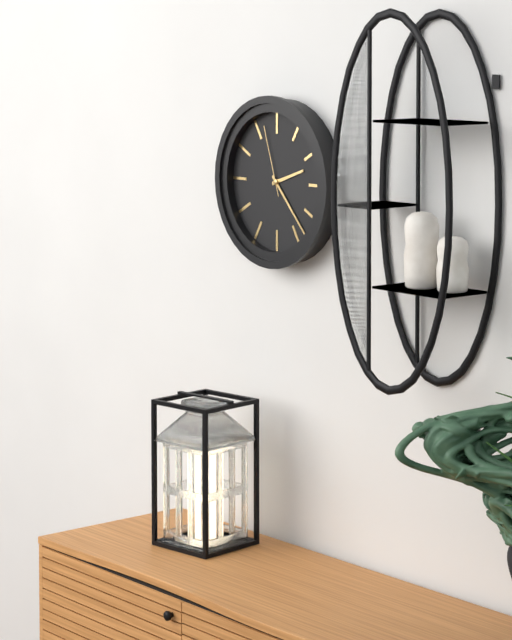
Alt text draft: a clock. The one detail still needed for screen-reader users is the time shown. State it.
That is 2:23:57
